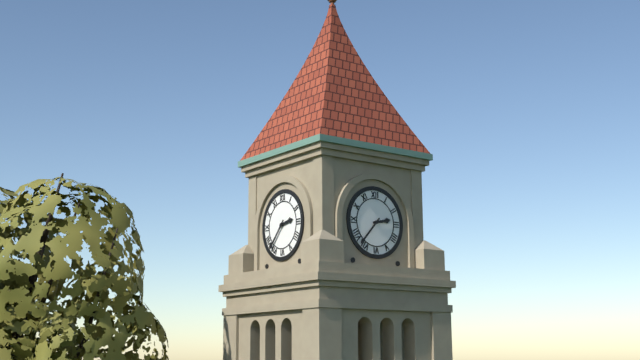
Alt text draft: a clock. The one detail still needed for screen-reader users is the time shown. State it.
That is 2:37
